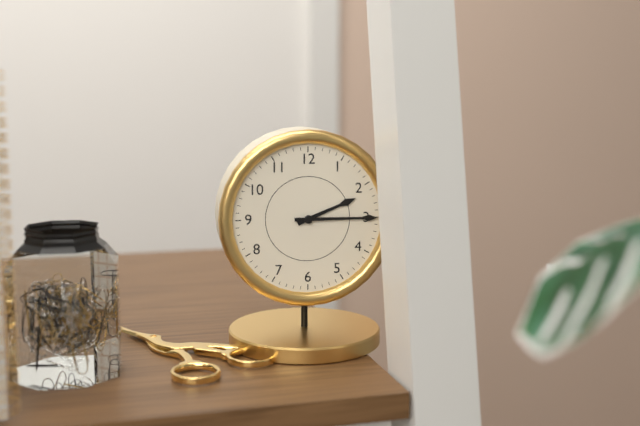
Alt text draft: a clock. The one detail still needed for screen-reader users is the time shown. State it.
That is 2:15
